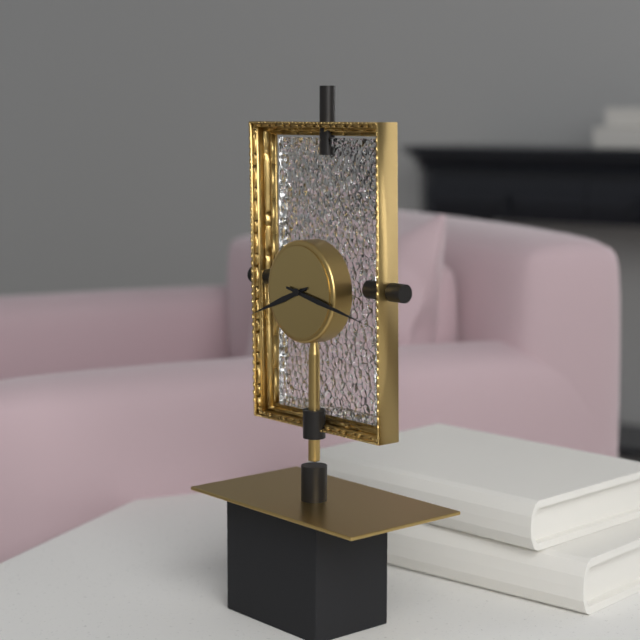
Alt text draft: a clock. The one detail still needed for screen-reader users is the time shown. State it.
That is 8:17
